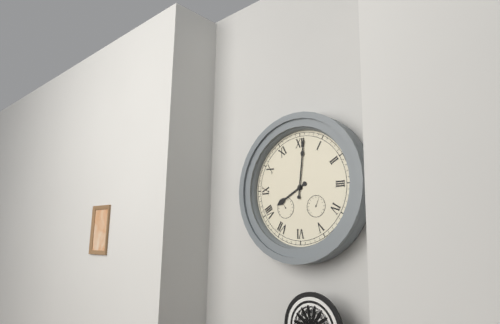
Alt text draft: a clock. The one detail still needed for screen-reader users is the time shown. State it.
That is 8:01
